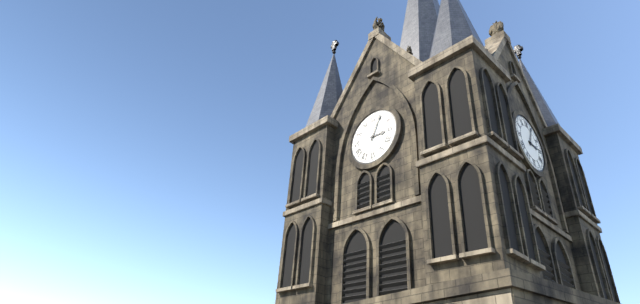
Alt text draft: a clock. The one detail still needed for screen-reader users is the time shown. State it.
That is 3:04
